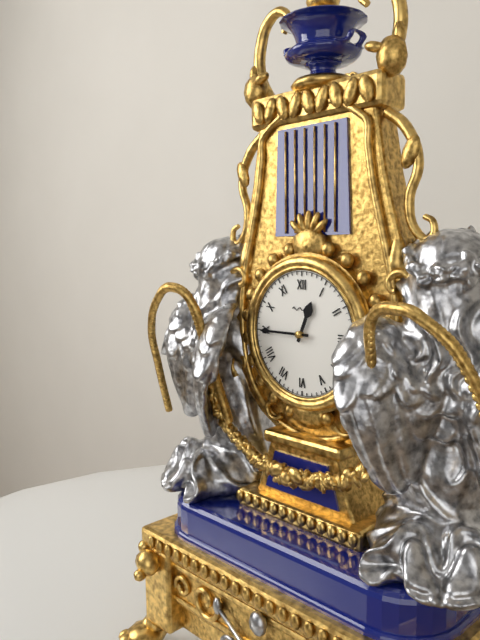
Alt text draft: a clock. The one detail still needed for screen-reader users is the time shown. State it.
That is 12:45
